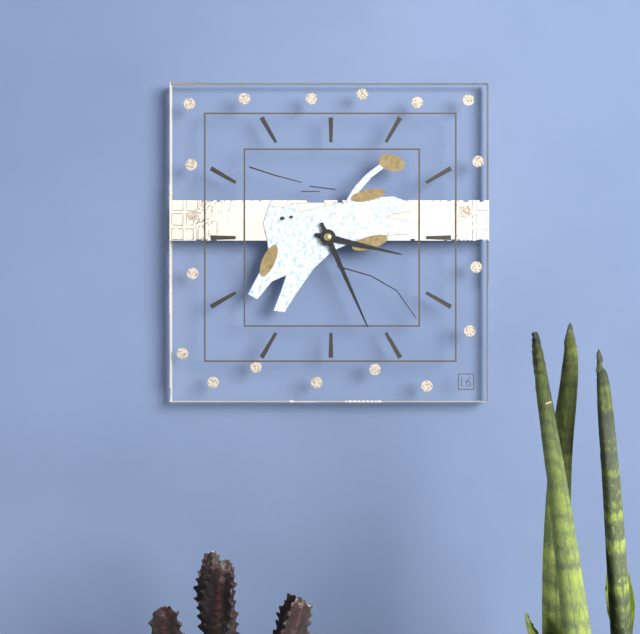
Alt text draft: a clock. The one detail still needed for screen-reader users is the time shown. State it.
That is 3:26
